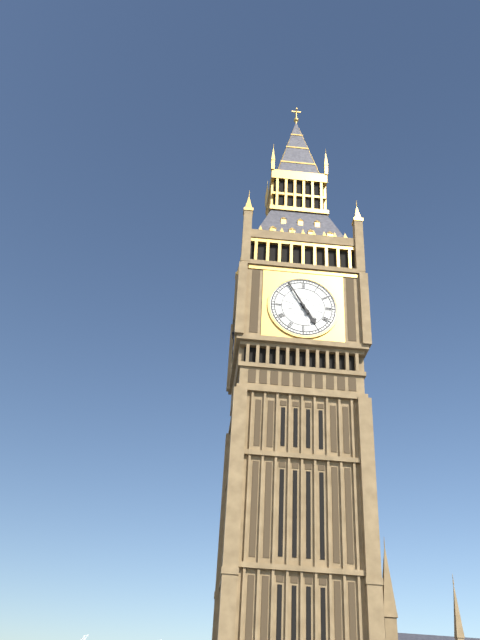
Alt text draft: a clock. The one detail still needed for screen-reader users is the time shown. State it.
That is 4:55
